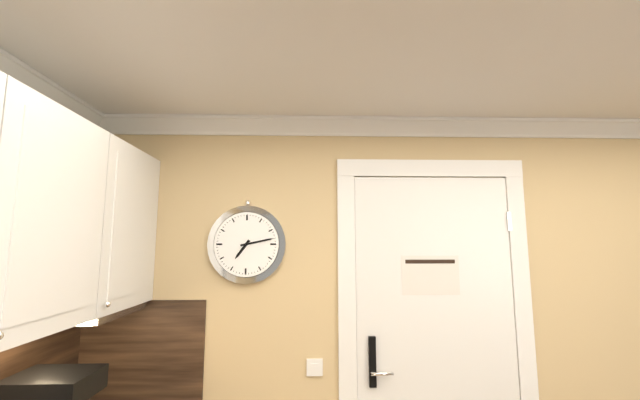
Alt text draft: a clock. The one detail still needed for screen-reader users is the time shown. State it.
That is 7:13
